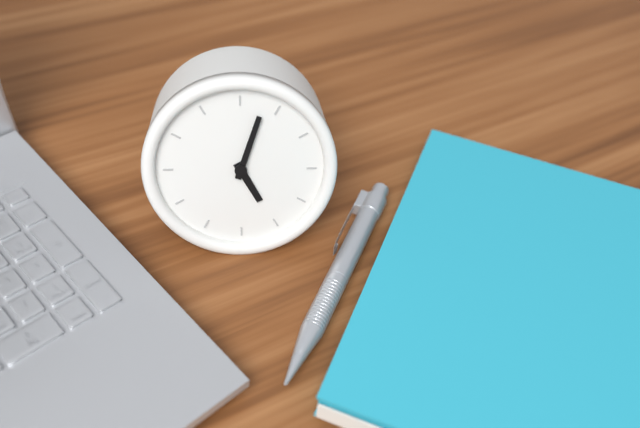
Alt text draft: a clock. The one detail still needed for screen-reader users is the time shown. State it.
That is 5:03
